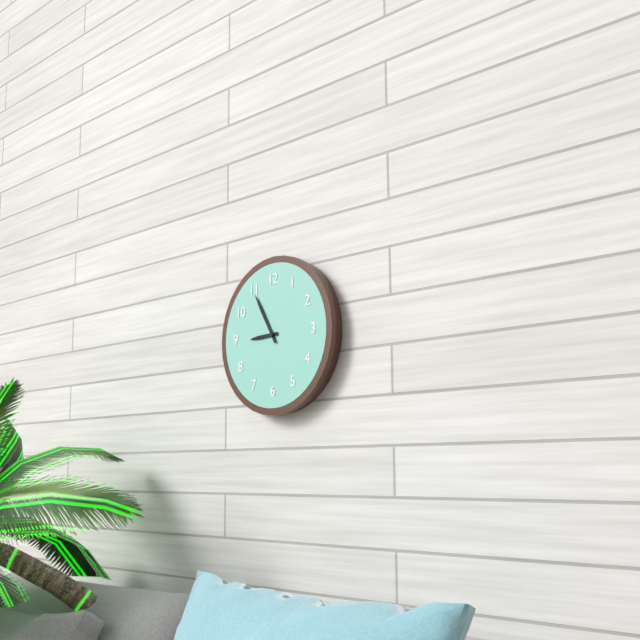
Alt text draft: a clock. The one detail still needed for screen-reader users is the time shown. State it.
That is 8:55
